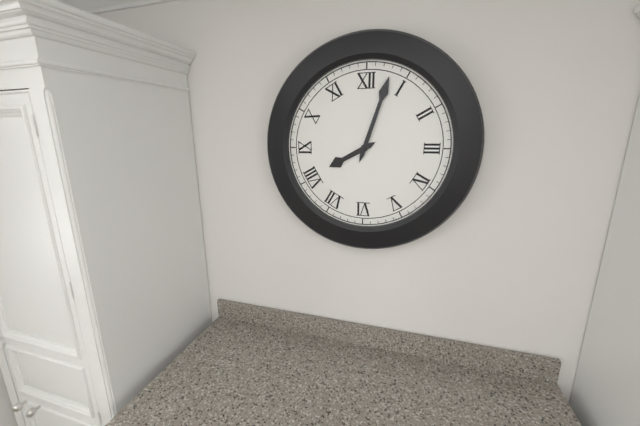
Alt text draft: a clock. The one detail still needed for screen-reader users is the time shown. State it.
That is 8:03
